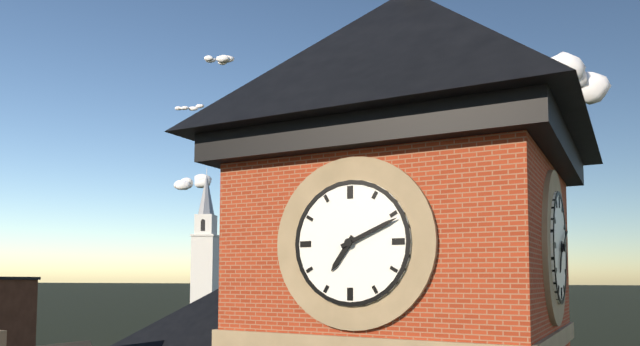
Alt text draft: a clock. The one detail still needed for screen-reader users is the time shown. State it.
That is 7:11
